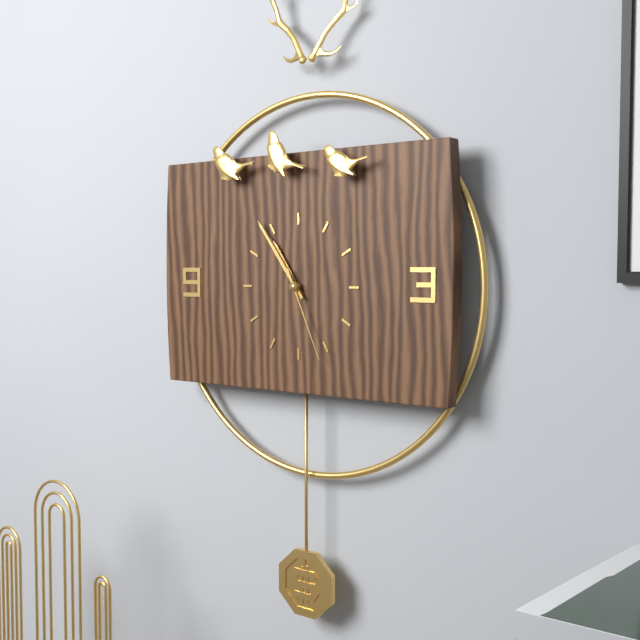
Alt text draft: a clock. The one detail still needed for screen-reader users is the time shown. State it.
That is 10:54:26
